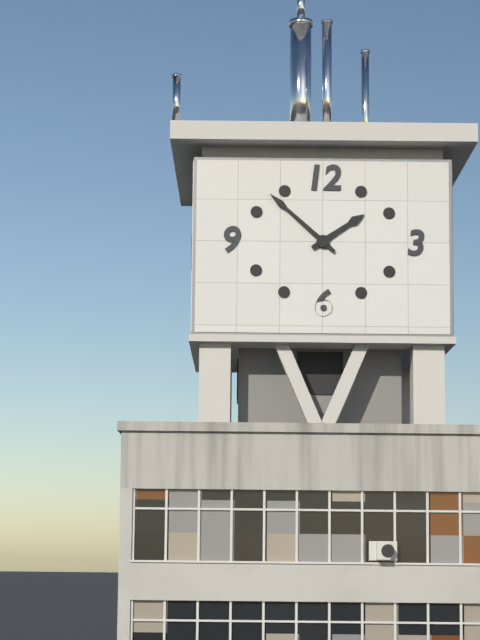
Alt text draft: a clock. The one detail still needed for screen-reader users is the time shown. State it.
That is 1:52
